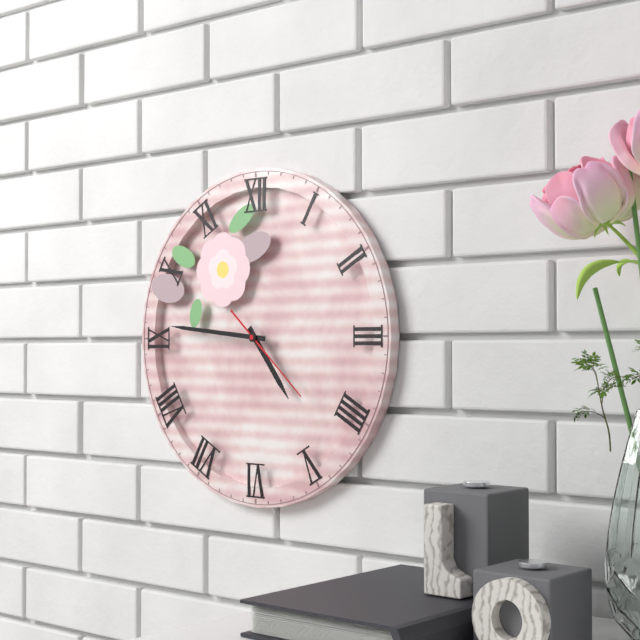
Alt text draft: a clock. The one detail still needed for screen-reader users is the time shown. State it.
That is 4:46:22
